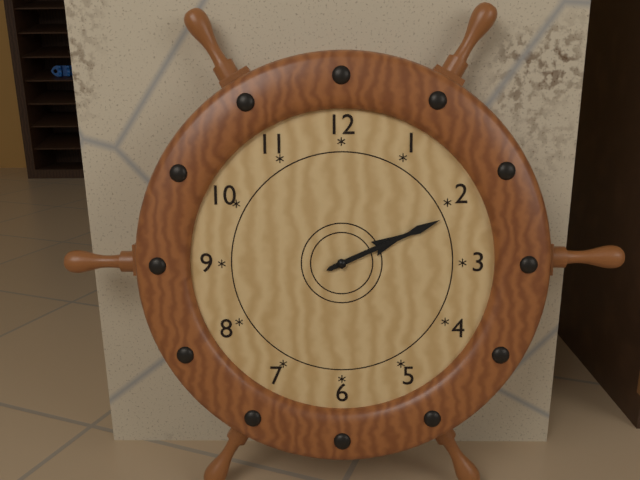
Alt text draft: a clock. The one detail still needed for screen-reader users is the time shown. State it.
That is 2:11
